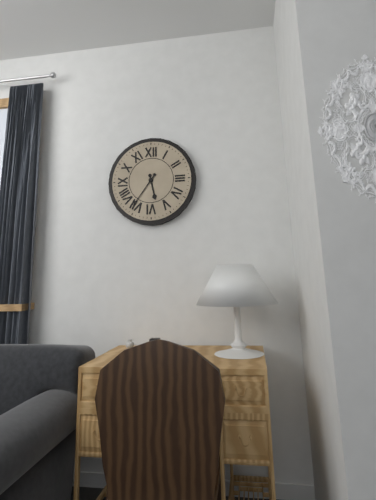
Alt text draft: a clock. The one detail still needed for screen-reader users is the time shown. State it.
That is 5:36
